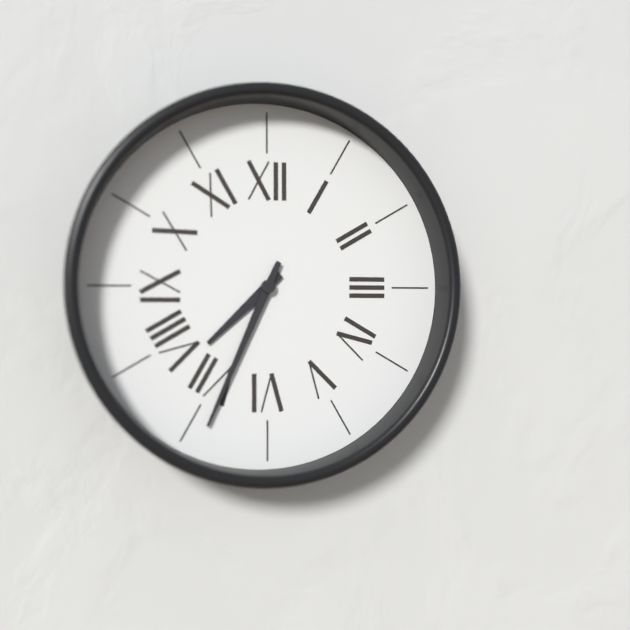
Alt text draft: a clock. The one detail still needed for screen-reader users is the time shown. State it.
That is 7:34
